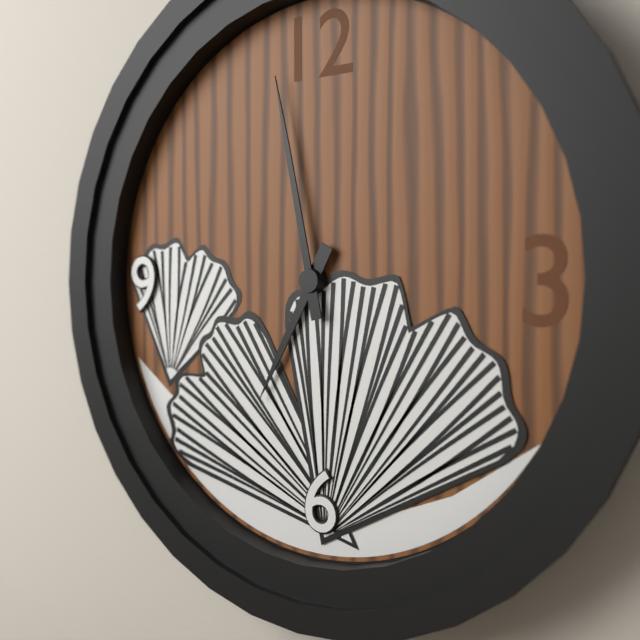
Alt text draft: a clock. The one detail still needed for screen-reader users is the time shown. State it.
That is 6:58
